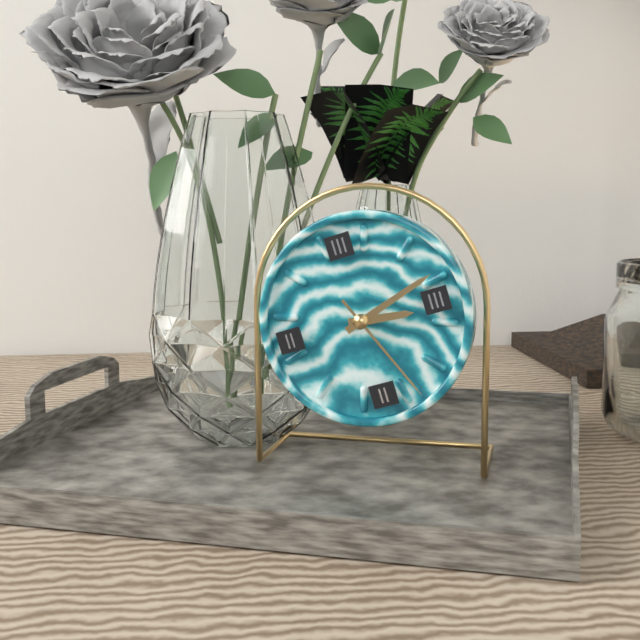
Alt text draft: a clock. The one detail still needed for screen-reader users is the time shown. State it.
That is 3:12:26
